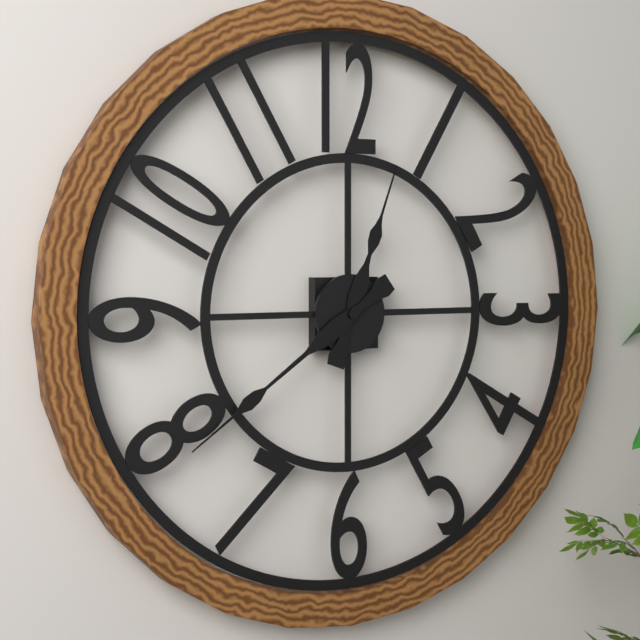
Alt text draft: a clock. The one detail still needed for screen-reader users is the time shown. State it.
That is 12:39
